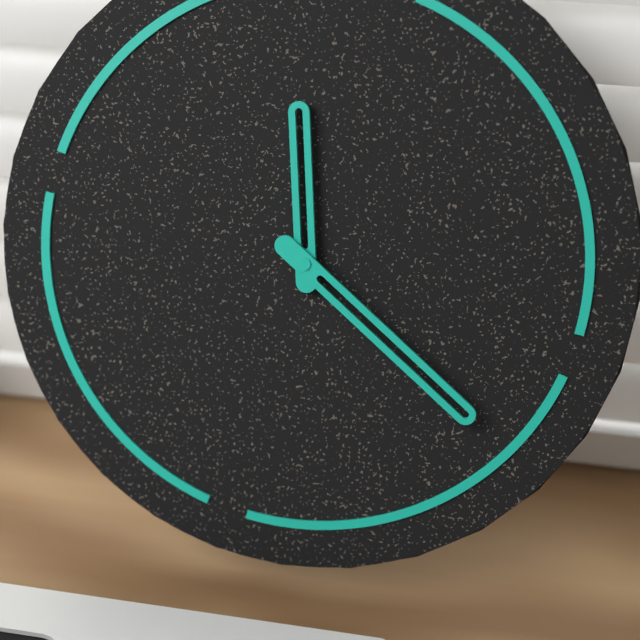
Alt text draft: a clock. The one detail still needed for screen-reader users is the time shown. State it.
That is 11:19
